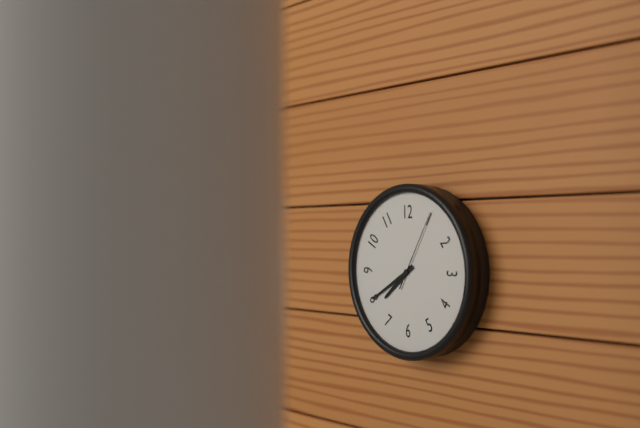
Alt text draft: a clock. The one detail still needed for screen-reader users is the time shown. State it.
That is 7:40:05
